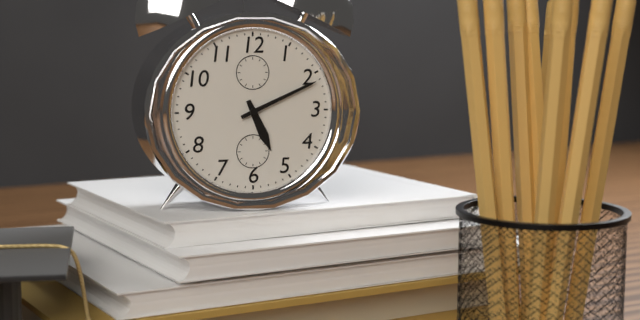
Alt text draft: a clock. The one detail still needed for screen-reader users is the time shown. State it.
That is 5:11
